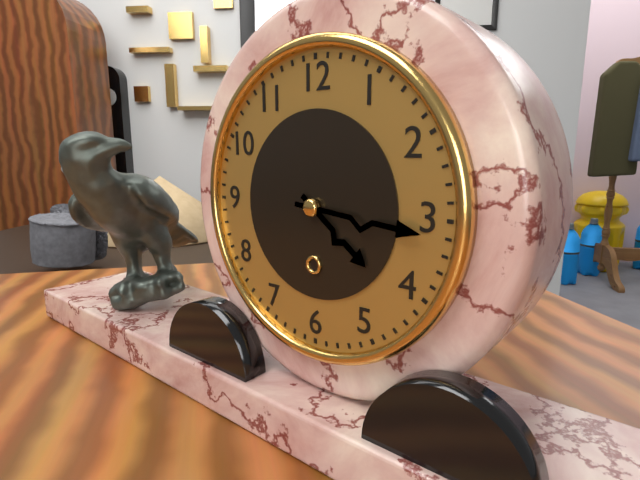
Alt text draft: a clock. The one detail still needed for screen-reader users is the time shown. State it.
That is 4:16
